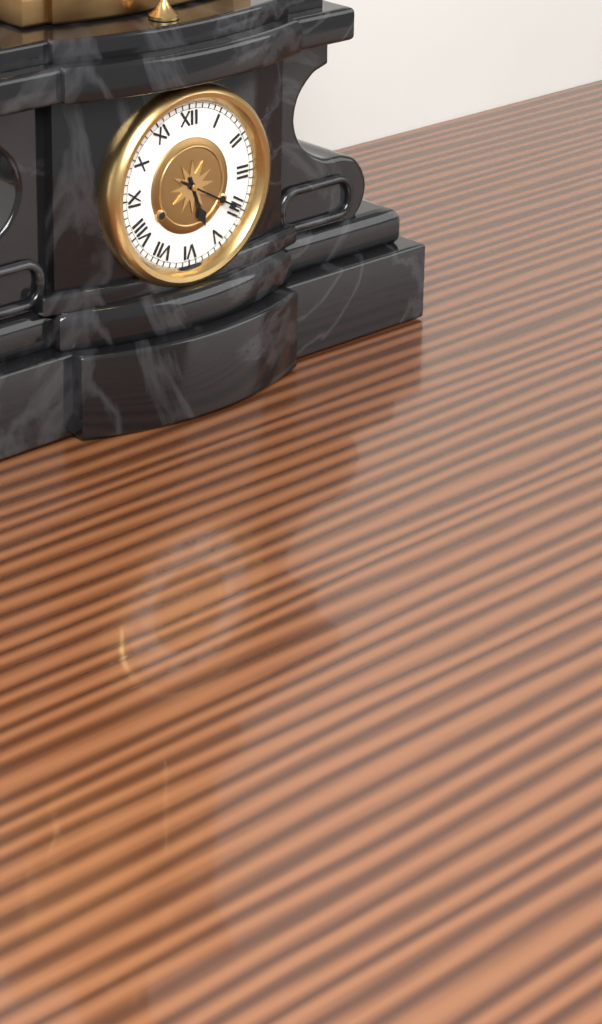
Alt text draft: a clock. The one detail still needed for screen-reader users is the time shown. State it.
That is 5:20
